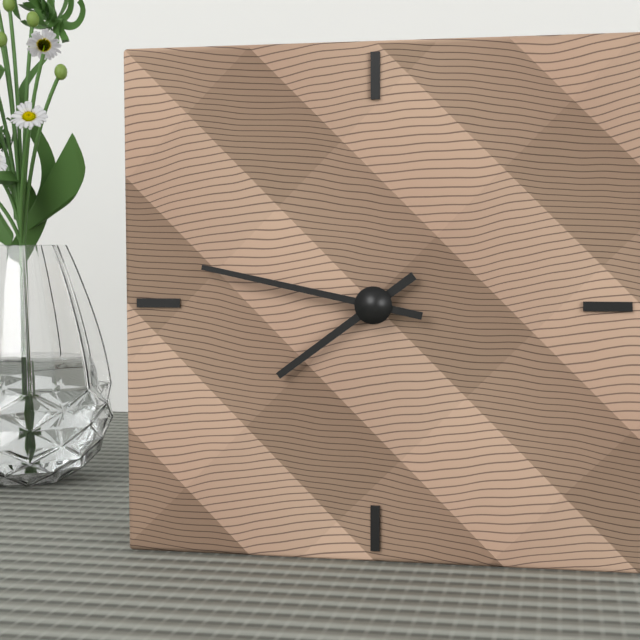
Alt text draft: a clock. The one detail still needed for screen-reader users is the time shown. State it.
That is 7:47
